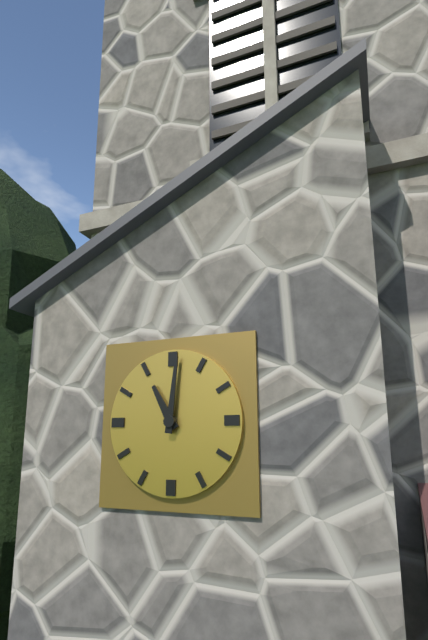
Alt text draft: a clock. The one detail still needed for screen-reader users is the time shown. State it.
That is 11:01
